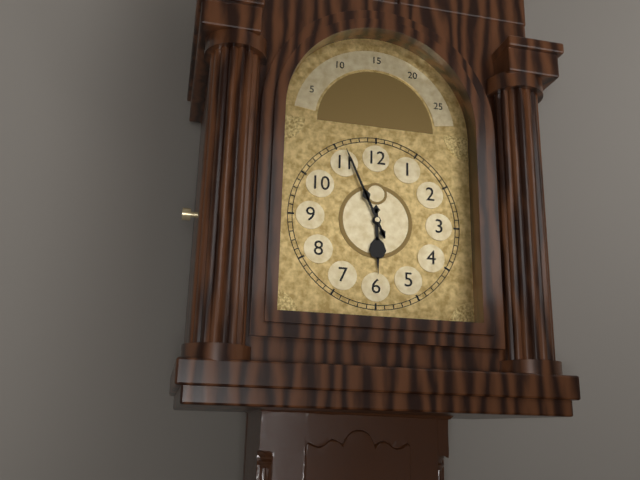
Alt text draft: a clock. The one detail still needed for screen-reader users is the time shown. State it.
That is 5:56
